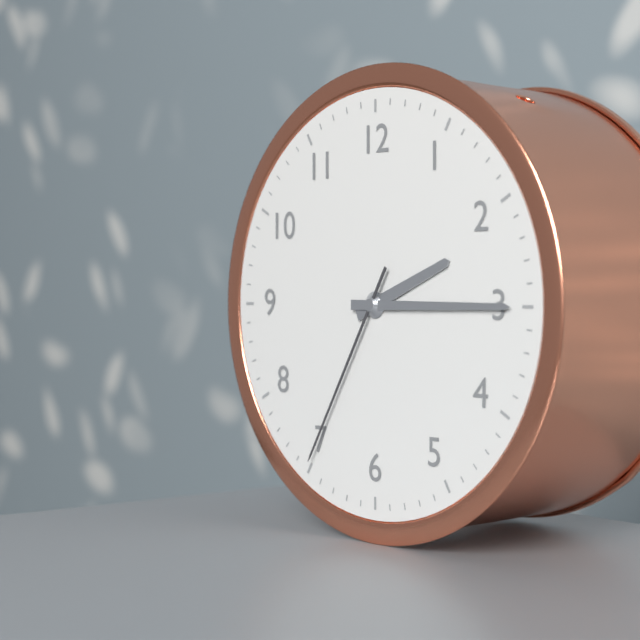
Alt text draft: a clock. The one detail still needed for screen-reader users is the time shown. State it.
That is 2:15:35
